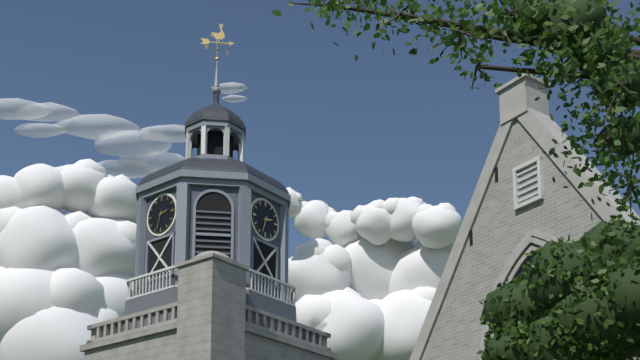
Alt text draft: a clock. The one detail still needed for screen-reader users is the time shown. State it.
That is 2:33
